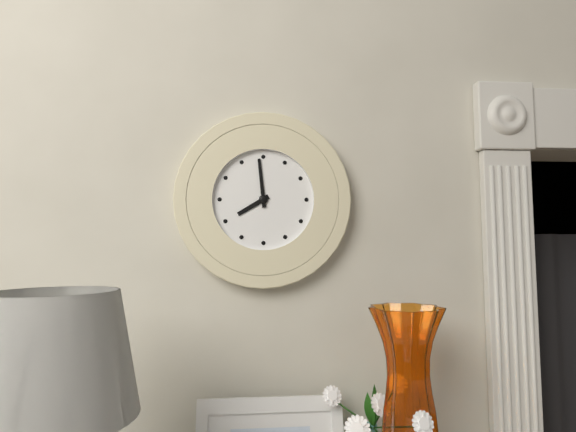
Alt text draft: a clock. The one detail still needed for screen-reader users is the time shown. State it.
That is 7:59
